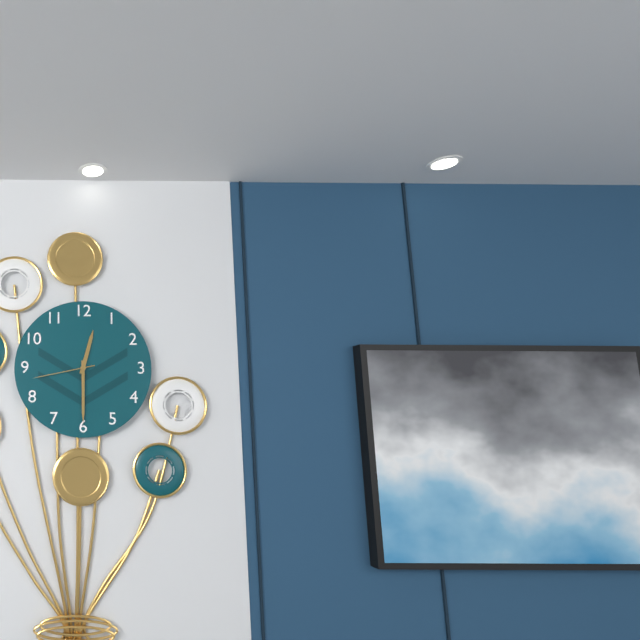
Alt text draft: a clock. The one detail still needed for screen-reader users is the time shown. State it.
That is 12:30:43
